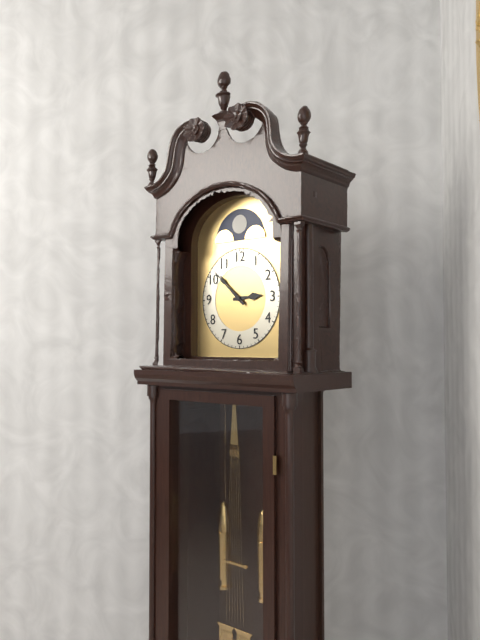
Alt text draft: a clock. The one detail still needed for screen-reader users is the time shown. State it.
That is 2:52
